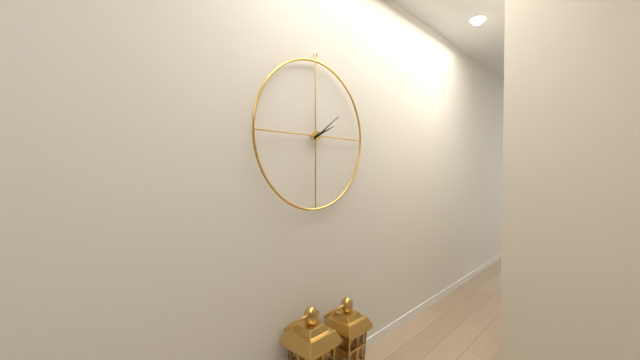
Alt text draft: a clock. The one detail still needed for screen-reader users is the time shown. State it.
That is 2:09
